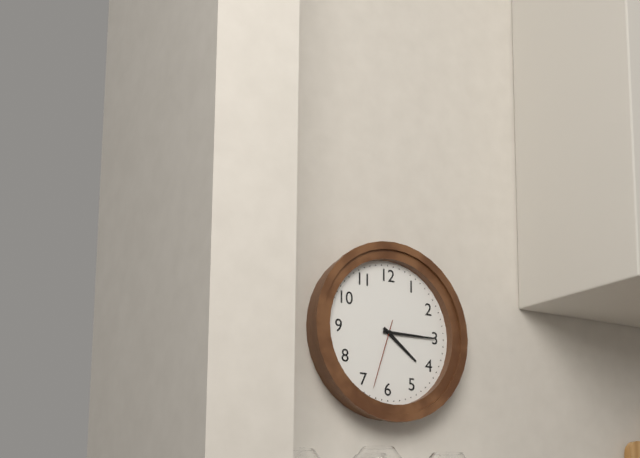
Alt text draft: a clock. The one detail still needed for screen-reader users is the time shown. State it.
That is 4:15:33
